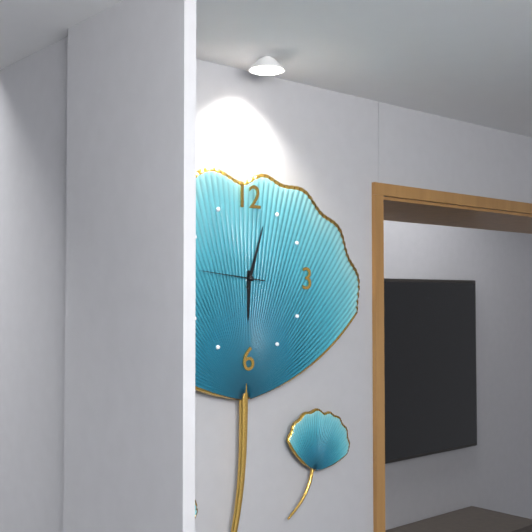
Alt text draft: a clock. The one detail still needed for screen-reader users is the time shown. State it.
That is 6:03:46
